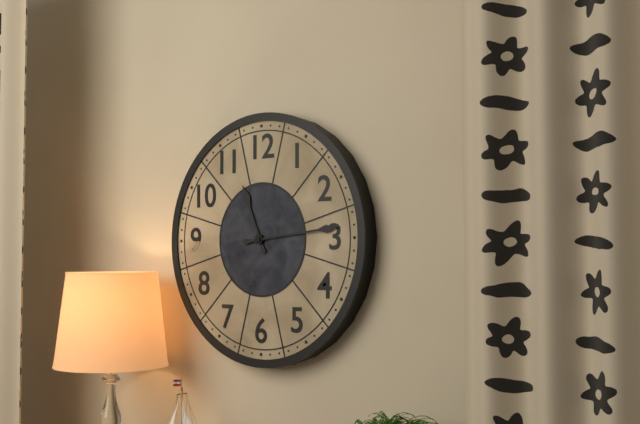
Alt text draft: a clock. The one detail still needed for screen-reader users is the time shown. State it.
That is 11:14
